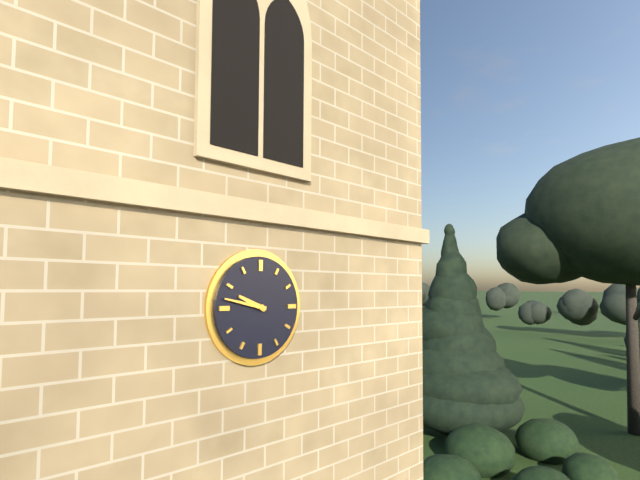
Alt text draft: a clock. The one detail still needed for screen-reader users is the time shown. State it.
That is 9:47
